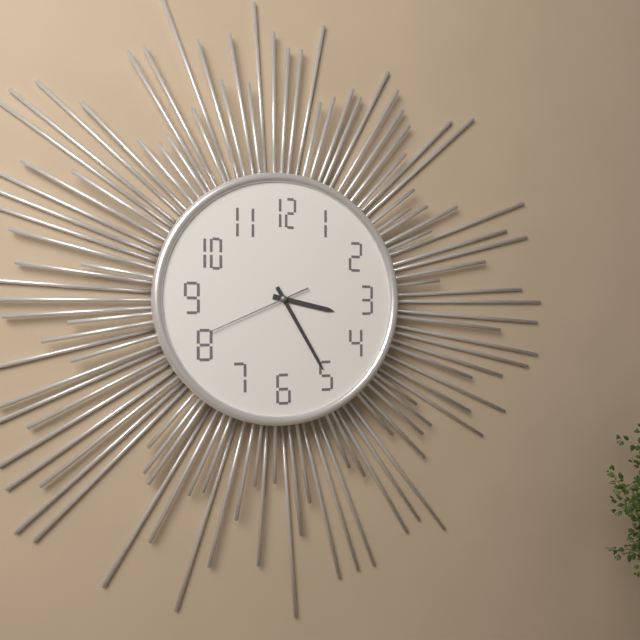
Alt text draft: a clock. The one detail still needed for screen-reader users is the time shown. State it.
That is 3:25:41
